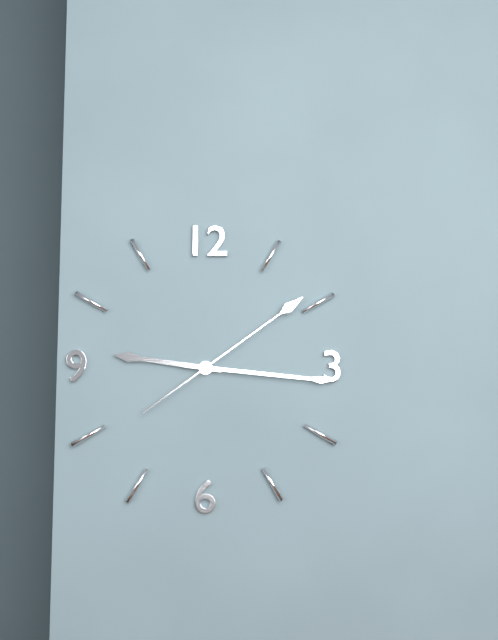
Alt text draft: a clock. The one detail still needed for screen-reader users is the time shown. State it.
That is 9:16:09
